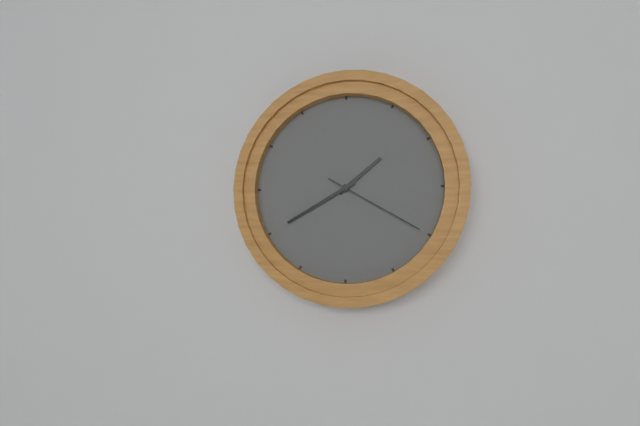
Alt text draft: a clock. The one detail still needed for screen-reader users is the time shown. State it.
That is 1:40:20
